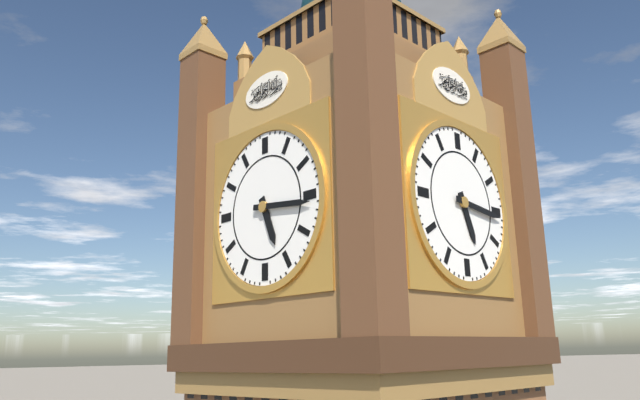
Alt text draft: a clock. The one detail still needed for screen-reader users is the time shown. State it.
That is 5:16
